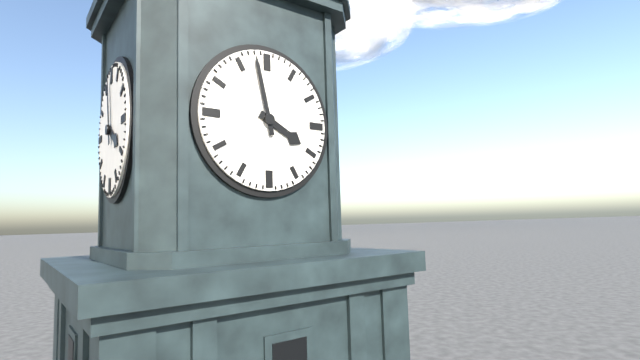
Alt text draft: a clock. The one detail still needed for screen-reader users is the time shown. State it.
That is 3:58
